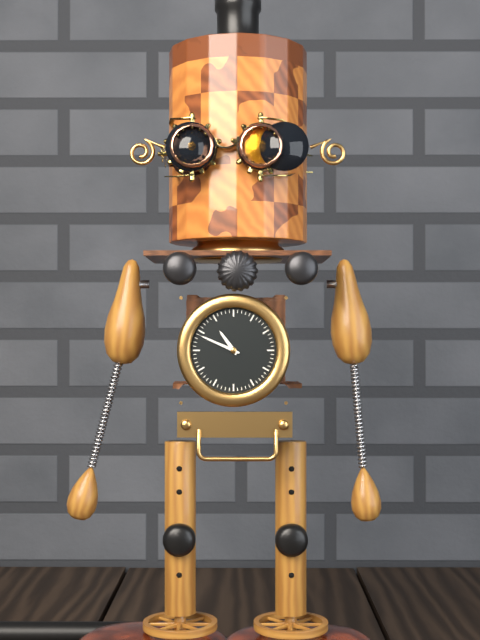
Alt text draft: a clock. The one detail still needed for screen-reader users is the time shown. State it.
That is 10:49
